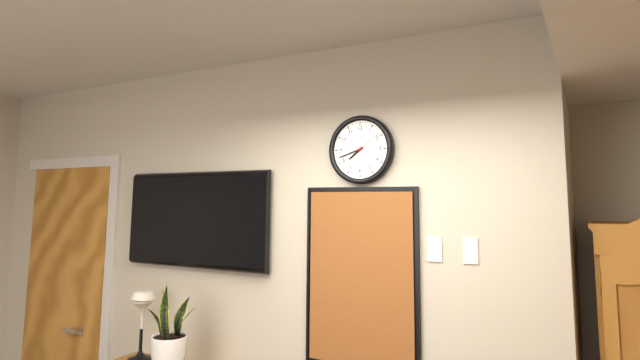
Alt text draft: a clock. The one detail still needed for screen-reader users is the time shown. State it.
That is 7:42
